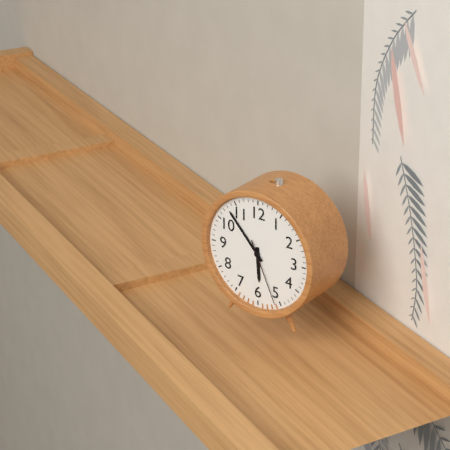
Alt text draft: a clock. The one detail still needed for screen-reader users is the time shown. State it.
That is 5:53:26
